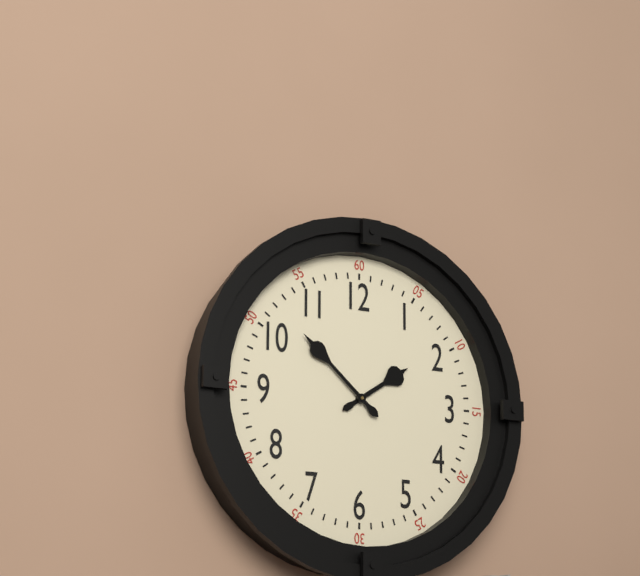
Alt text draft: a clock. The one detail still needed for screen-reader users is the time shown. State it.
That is 1:52
